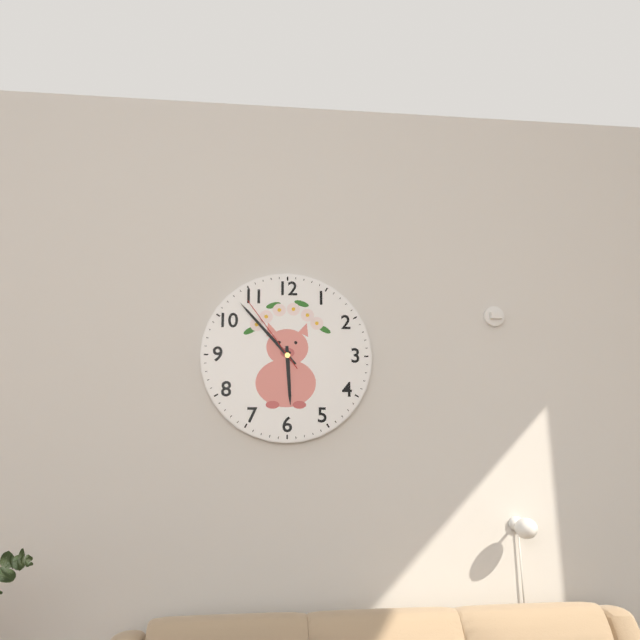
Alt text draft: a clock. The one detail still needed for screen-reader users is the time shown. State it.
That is 5:53:54
